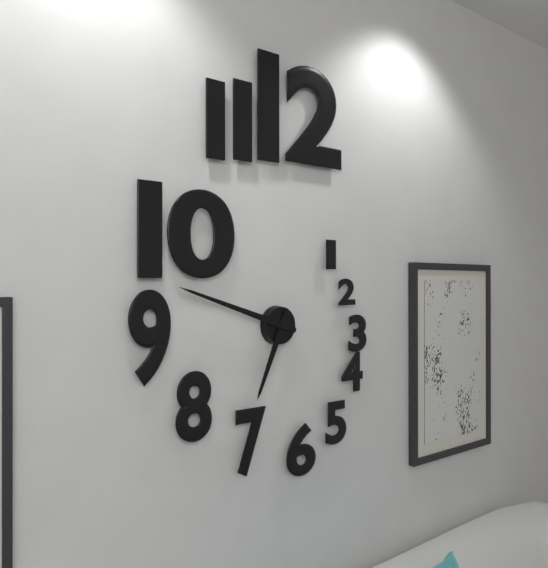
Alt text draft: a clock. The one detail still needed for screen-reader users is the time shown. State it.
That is 6:48
